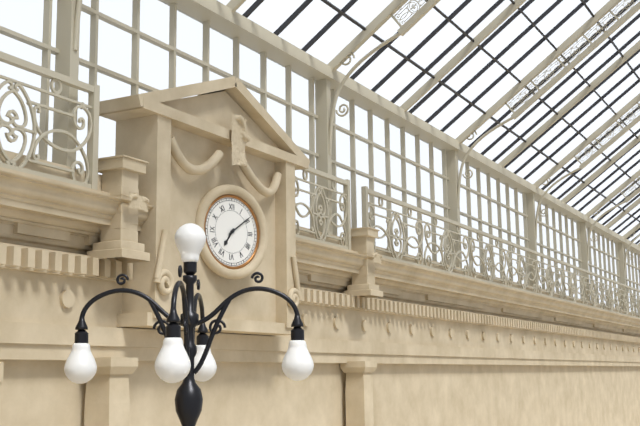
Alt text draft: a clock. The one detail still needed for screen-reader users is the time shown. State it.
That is 7:09
